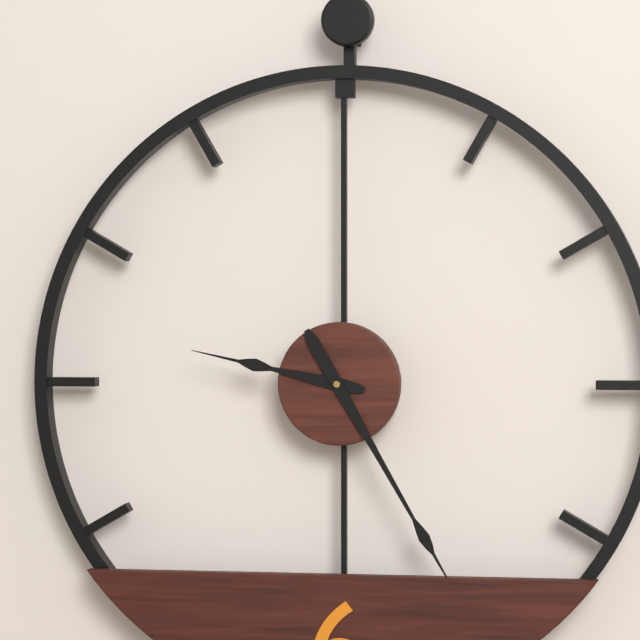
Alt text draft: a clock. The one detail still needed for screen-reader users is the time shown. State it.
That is 9:25
